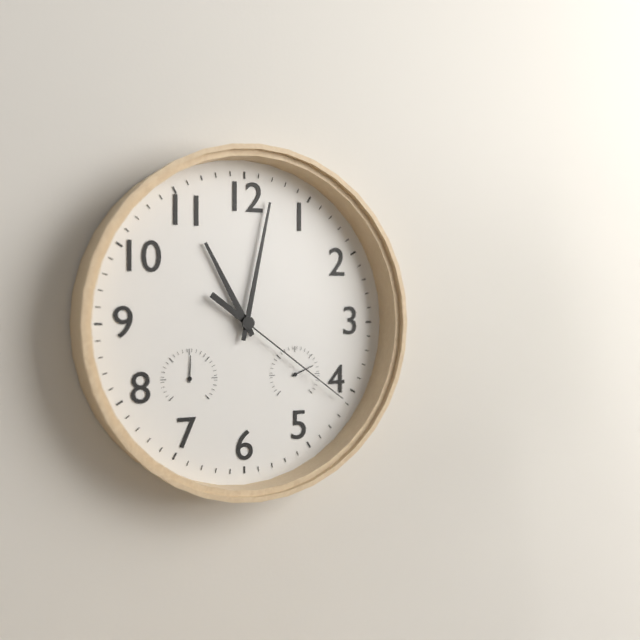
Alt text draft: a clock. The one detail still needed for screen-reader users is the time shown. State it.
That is 11:02:21
